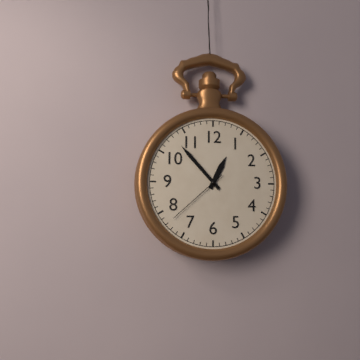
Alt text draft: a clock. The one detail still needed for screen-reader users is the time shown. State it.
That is 12:53:38
